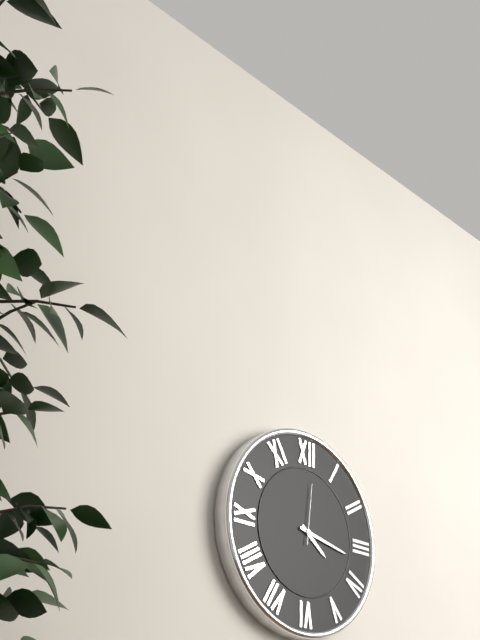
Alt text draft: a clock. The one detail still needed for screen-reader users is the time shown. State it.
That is 4:17:01
